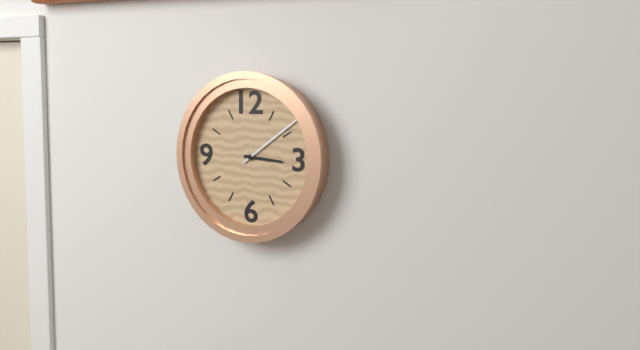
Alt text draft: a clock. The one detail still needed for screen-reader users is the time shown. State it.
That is 3:09
